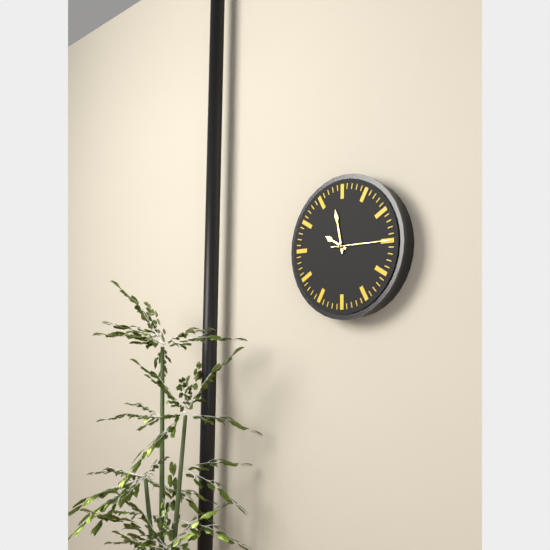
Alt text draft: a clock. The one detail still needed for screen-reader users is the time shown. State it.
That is 9:58:15
